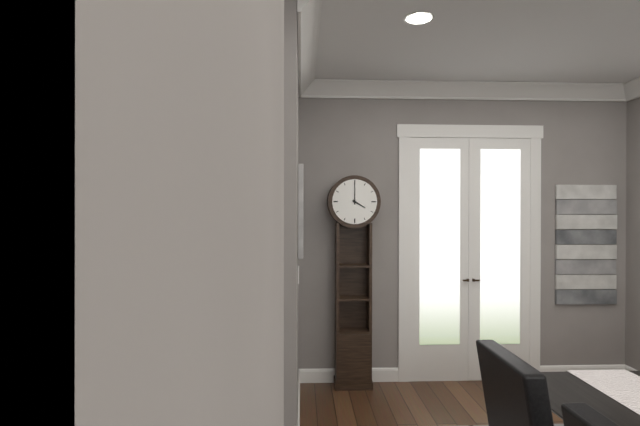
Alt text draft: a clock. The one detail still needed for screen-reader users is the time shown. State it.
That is 4:00
